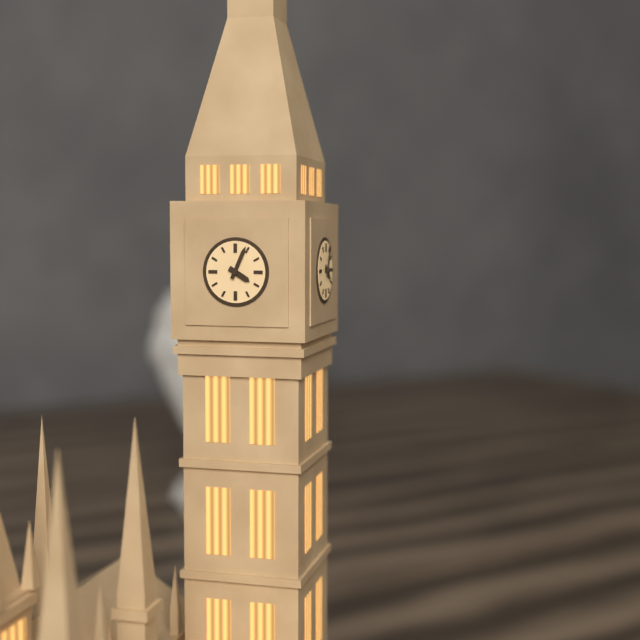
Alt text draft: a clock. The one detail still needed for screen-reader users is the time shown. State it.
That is 4:04
